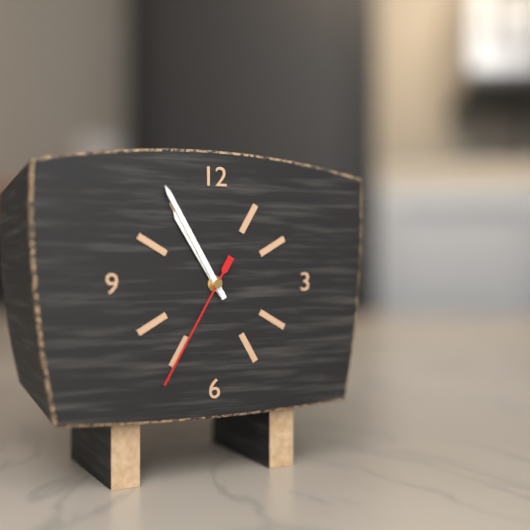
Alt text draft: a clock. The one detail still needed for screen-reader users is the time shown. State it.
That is 10:55:35
